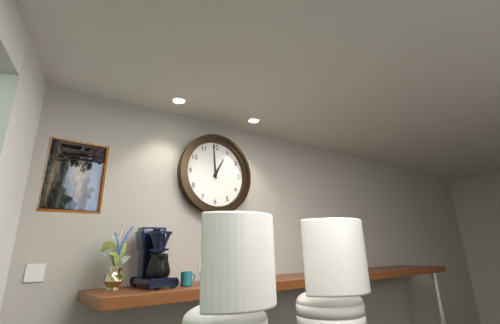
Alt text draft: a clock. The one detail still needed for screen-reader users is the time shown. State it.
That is 12:59
